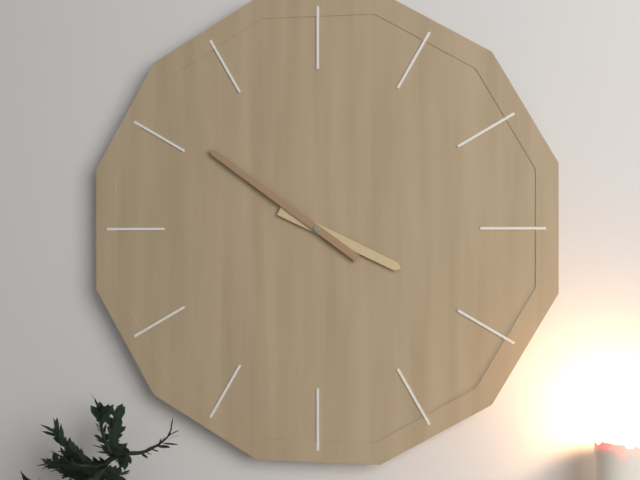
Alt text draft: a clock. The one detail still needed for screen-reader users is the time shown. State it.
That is 3:51
